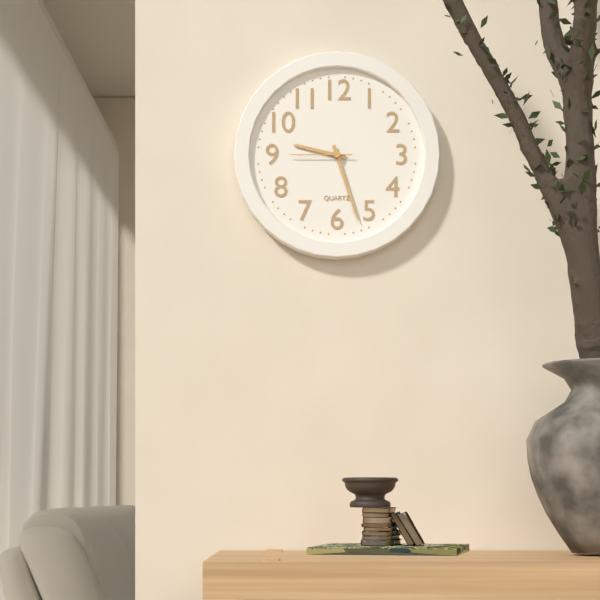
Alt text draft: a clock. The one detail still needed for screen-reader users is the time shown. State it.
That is 9:27:45
